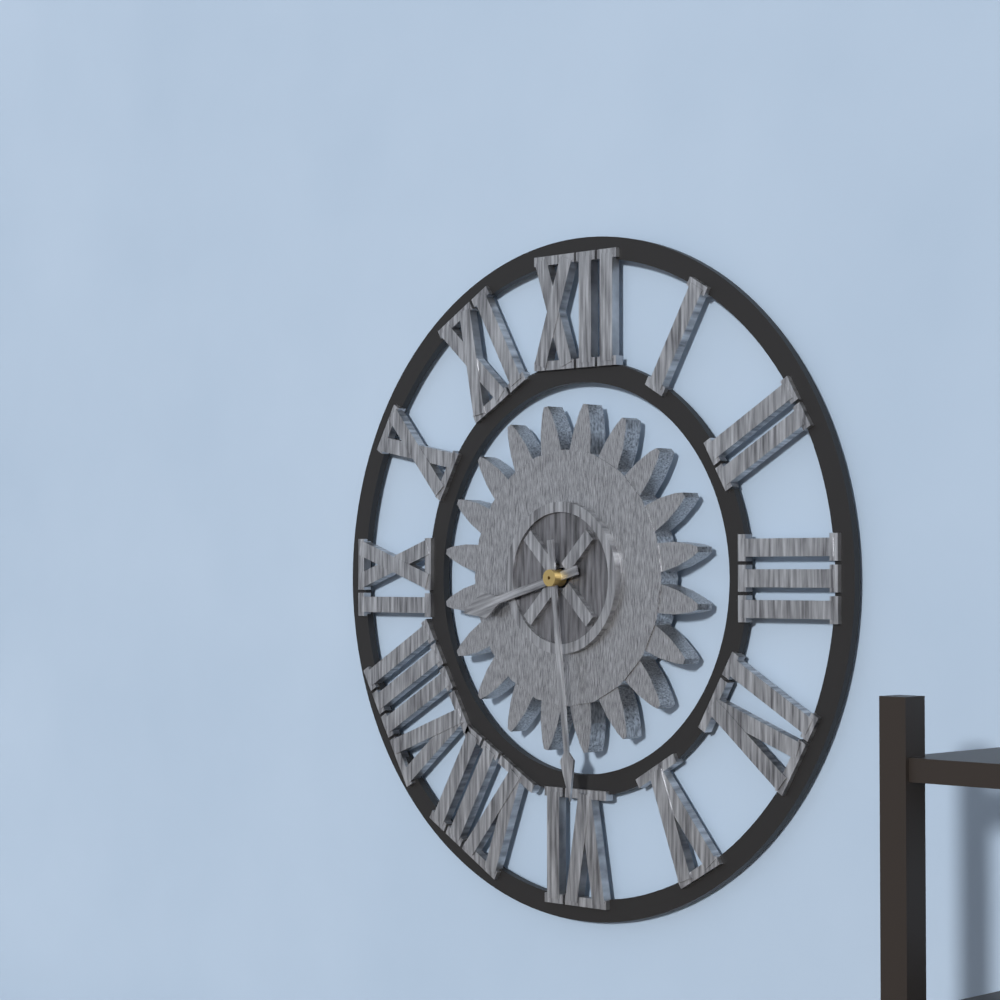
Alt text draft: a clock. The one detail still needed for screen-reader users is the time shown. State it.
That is 8:29
